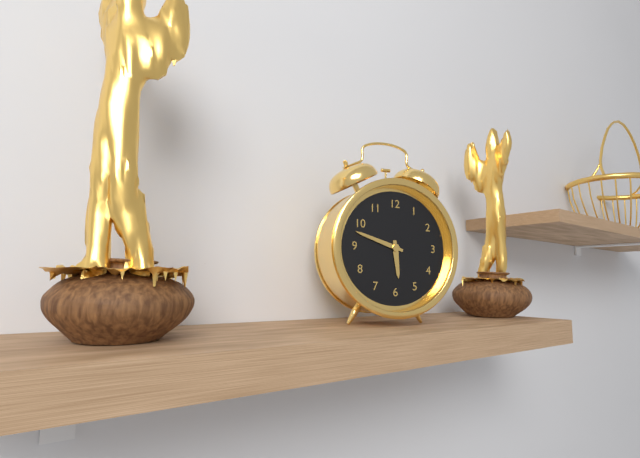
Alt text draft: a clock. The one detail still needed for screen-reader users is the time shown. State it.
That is 5:48
